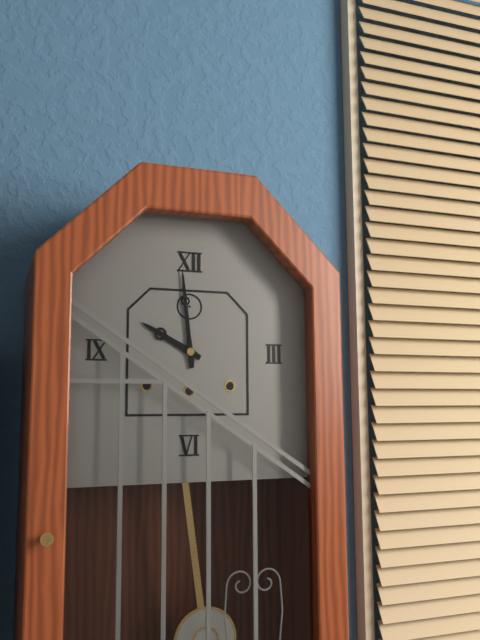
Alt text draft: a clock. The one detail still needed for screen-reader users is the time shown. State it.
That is 9:59
